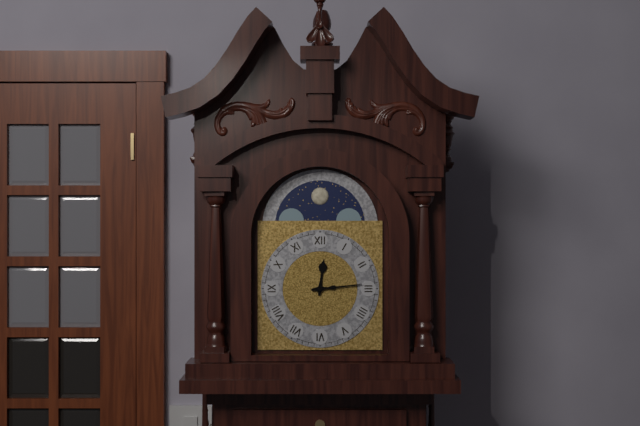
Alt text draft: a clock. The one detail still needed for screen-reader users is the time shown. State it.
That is 12:14
